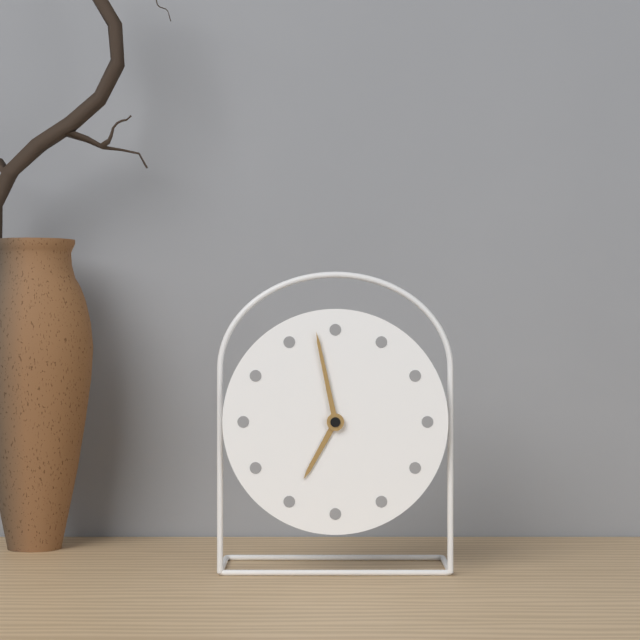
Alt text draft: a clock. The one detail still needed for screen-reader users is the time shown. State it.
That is 6:58
